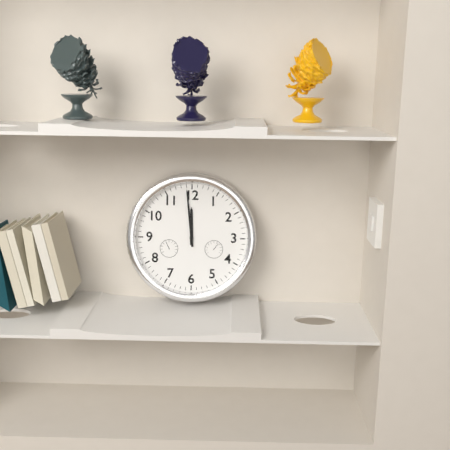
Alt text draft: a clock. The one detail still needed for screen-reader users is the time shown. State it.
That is 11:59
